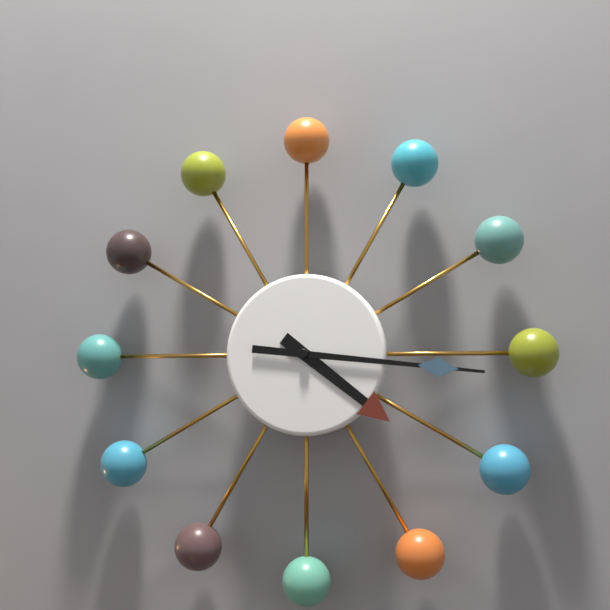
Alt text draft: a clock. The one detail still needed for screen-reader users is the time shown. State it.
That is 4:16
